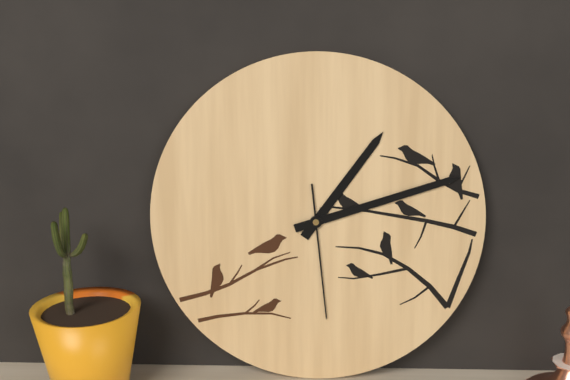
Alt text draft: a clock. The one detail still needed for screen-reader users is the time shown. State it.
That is 1:12:29
